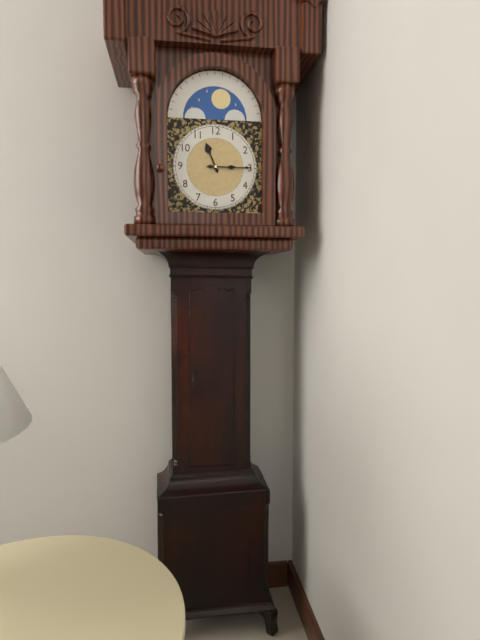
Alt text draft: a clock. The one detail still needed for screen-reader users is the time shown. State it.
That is 11:15
